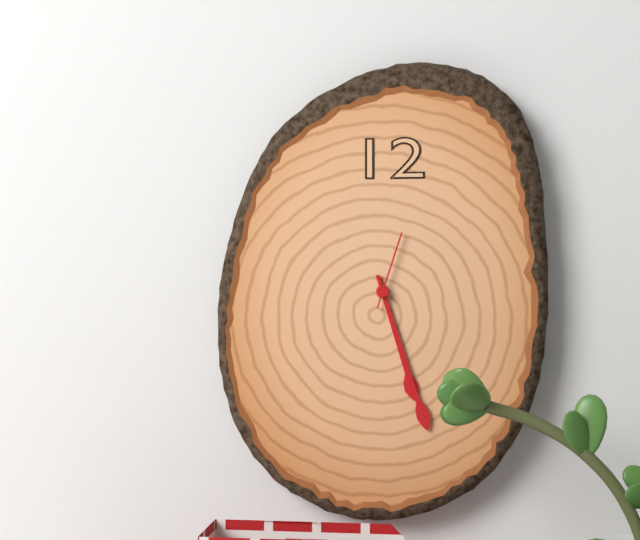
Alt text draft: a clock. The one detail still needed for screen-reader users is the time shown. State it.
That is 5:27:03
